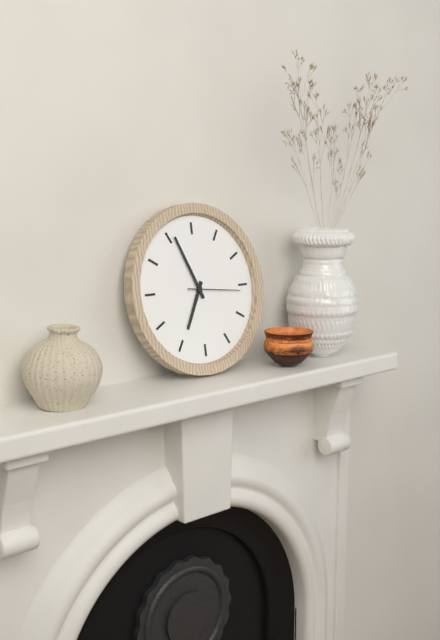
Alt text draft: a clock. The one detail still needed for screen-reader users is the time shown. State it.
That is 6:56:16
